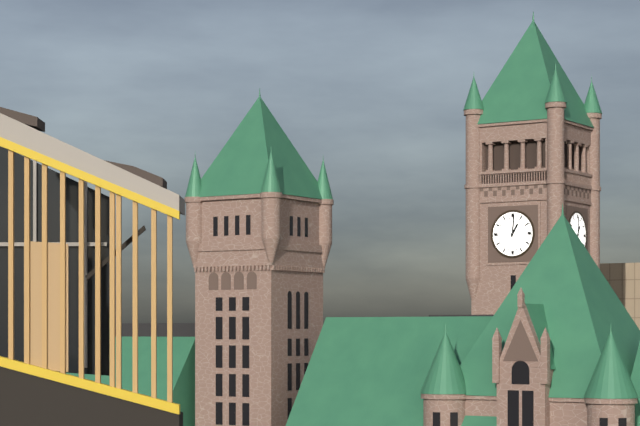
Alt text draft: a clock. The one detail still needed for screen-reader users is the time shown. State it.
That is 1:01
